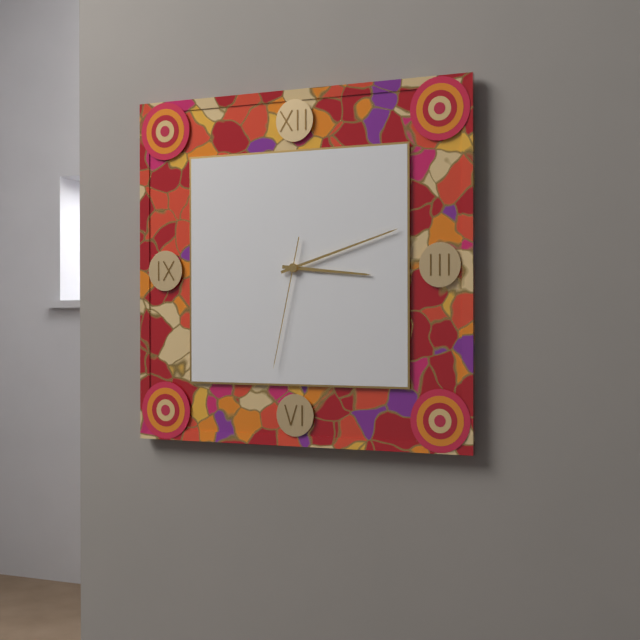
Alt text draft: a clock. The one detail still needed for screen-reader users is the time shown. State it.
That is 3:12:32
